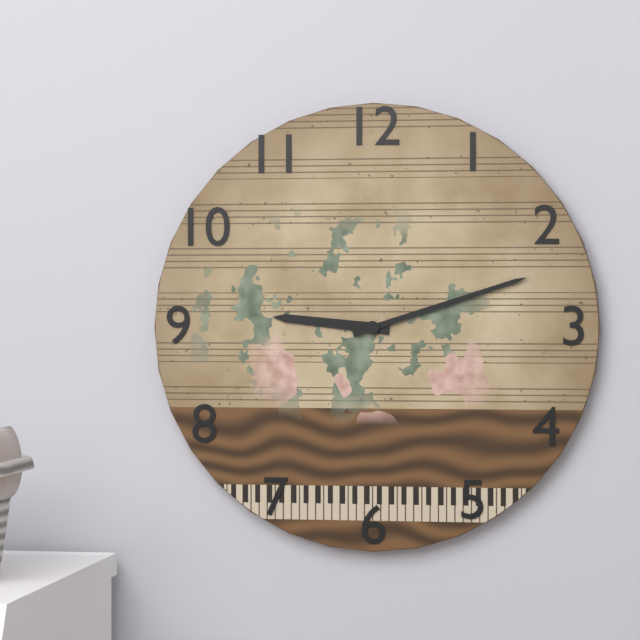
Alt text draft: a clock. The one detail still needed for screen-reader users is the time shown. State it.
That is 9:12
